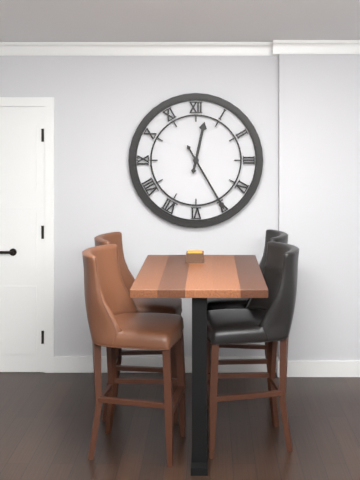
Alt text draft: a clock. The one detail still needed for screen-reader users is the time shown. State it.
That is 12:25
